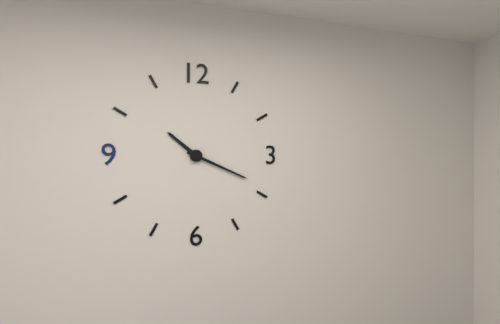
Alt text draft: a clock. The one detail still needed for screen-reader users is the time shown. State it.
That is 10:19
